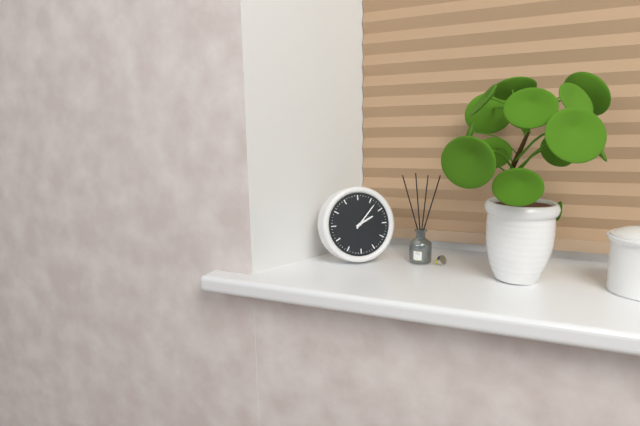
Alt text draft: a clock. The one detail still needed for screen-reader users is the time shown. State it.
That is 2:07
